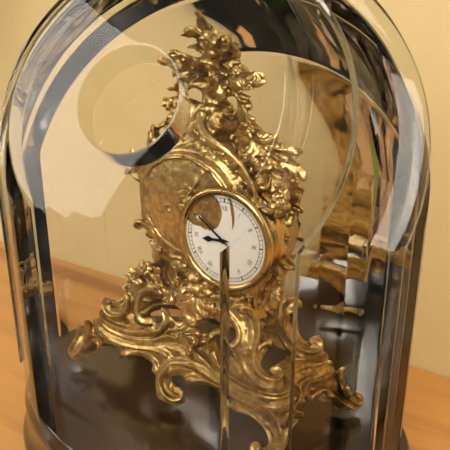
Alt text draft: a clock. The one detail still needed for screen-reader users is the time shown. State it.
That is 8:51
